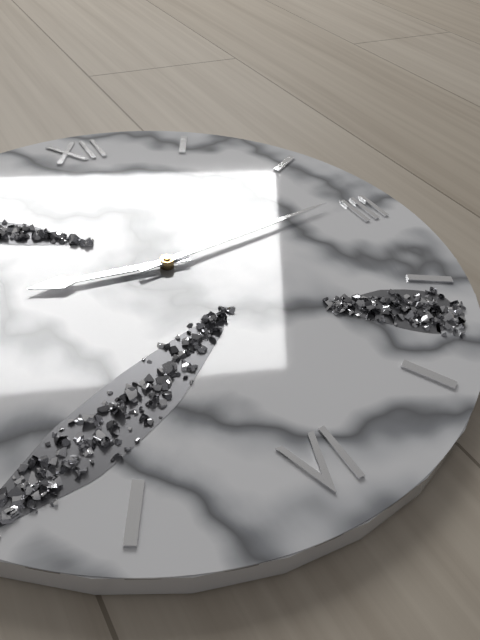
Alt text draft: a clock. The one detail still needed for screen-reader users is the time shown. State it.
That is 9:14
